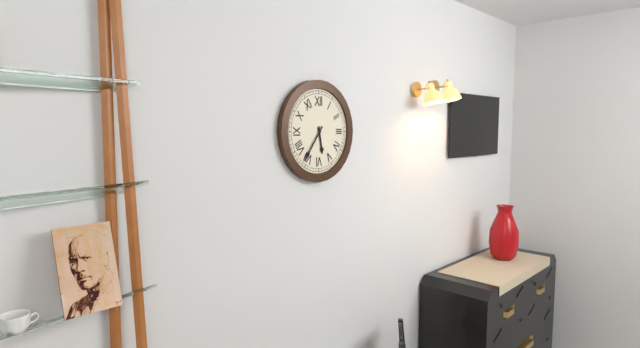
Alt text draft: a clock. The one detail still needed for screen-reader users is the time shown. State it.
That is 5:36
